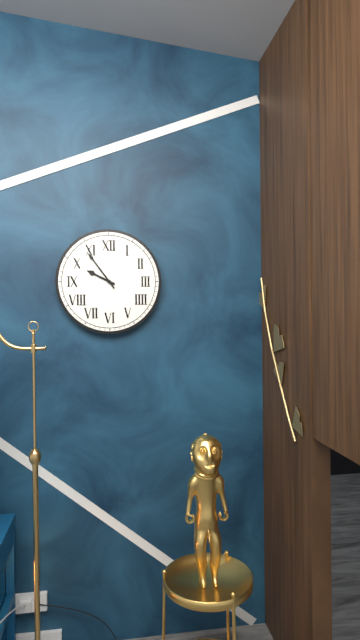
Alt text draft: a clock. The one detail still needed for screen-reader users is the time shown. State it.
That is 9:54
